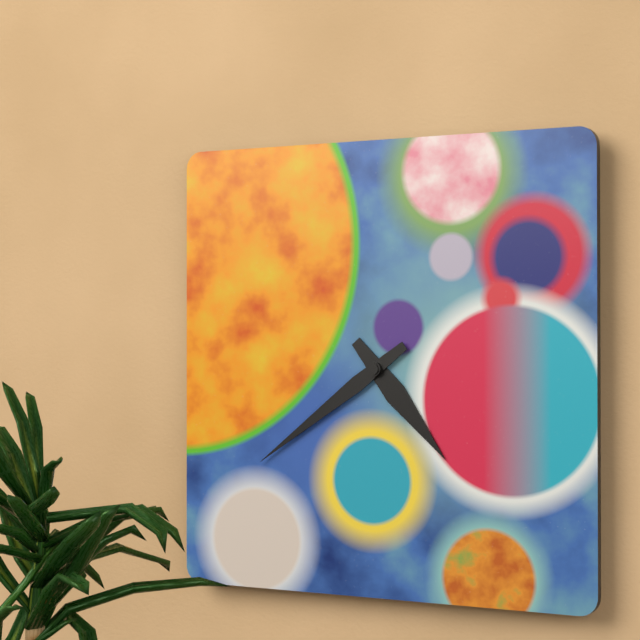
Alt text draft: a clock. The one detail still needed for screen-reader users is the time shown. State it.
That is 4:39
